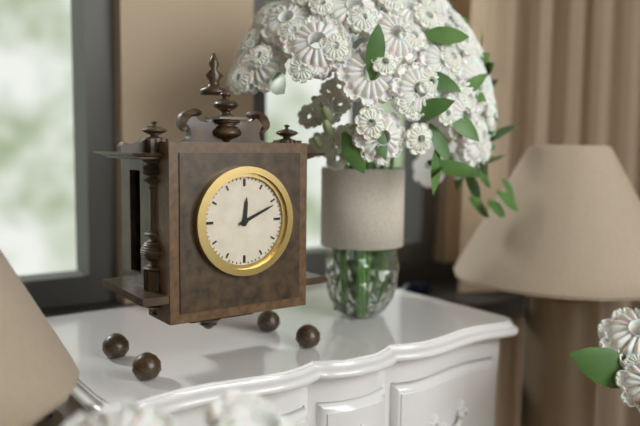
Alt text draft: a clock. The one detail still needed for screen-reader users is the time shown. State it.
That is 12:11
